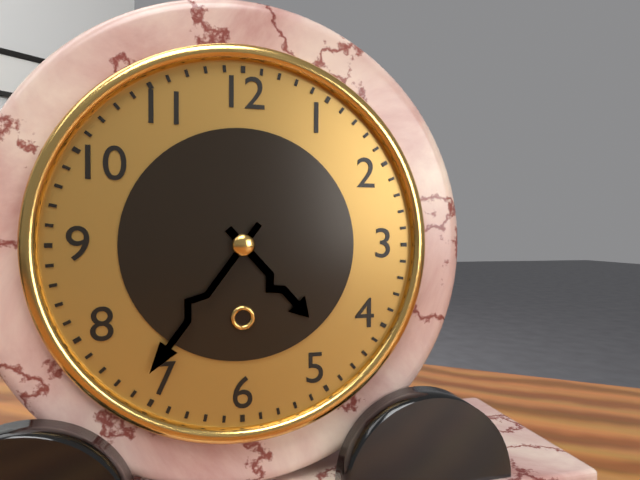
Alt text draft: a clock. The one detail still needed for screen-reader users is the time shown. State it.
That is 4:36
